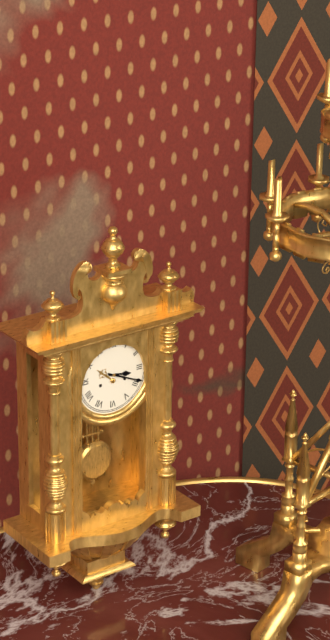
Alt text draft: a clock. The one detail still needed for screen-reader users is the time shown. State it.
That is 3:19
